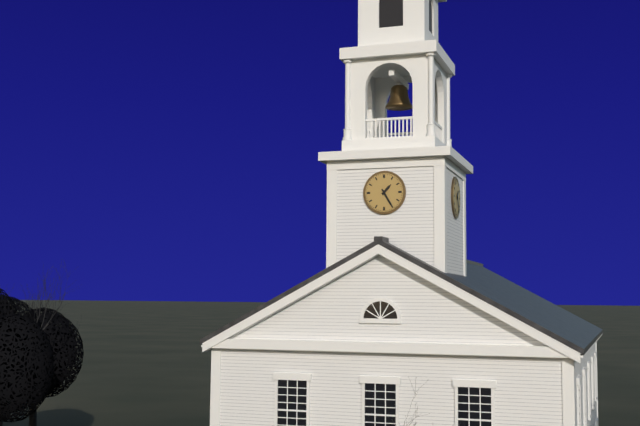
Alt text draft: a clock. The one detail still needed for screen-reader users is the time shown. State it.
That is 1:25
